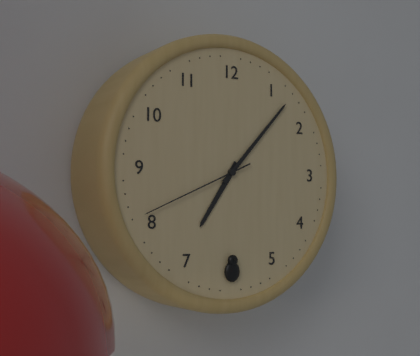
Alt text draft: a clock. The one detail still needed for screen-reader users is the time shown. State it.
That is 7:07:41
